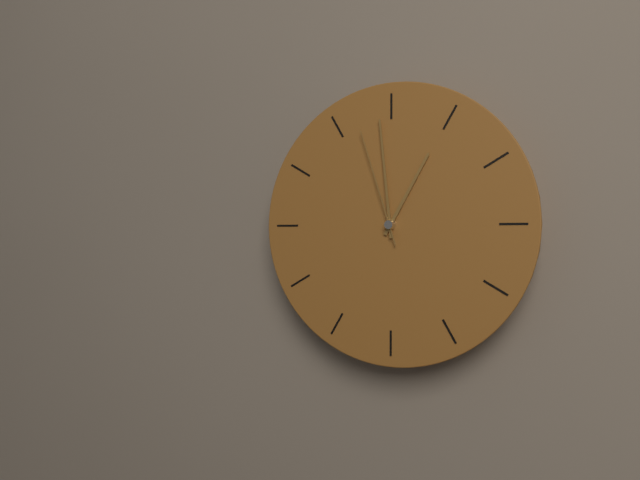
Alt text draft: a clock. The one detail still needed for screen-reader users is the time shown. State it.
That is 12:59:57
